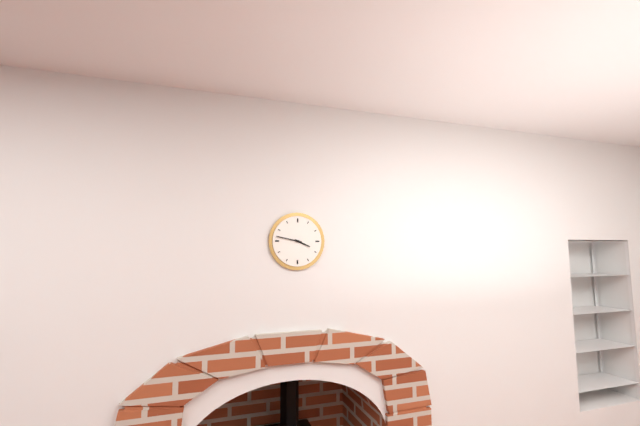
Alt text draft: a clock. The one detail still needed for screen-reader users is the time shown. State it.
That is 3:47
